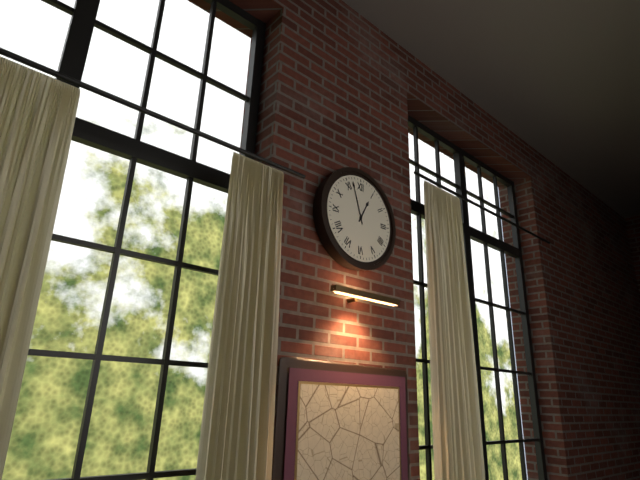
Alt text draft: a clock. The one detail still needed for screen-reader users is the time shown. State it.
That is 12:57
